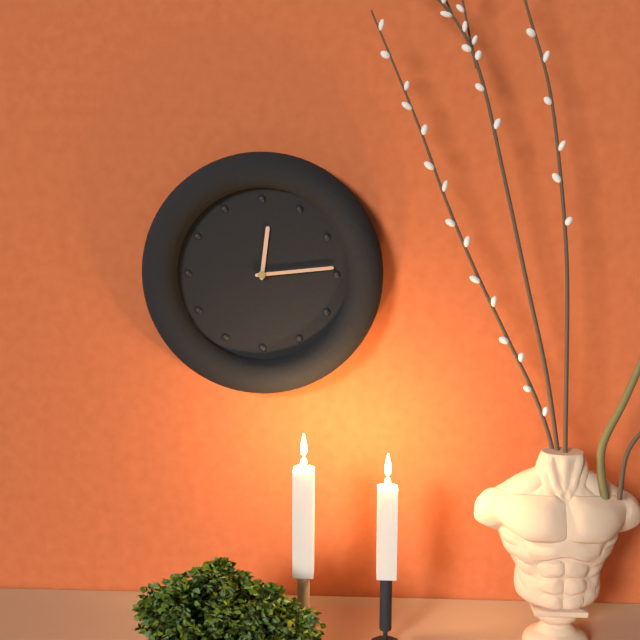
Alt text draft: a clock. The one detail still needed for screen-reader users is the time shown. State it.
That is 12:14
